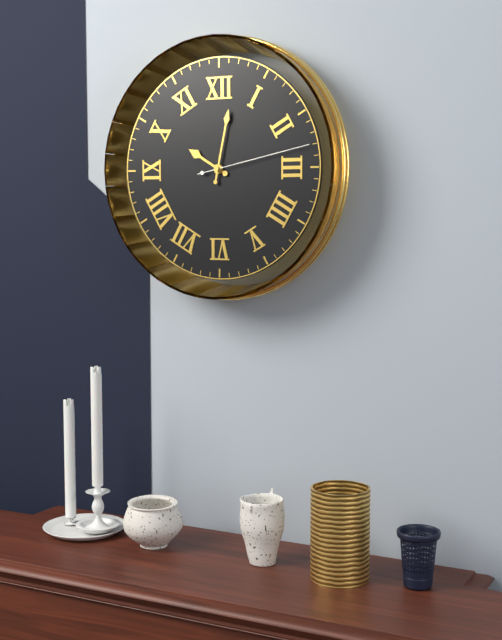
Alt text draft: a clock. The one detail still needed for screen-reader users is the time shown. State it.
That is 10:02:13
